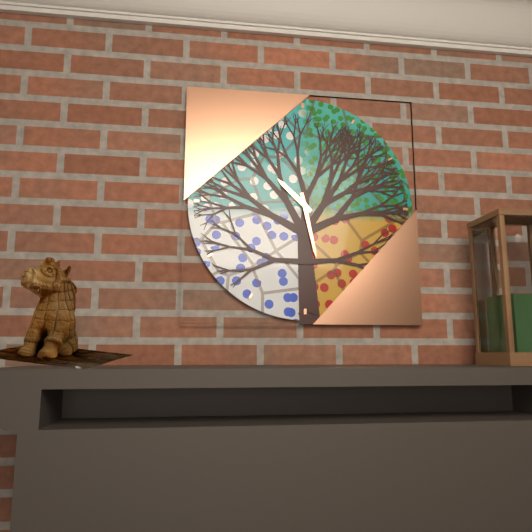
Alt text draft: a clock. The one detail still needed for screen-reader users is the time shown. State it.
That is 10:28
